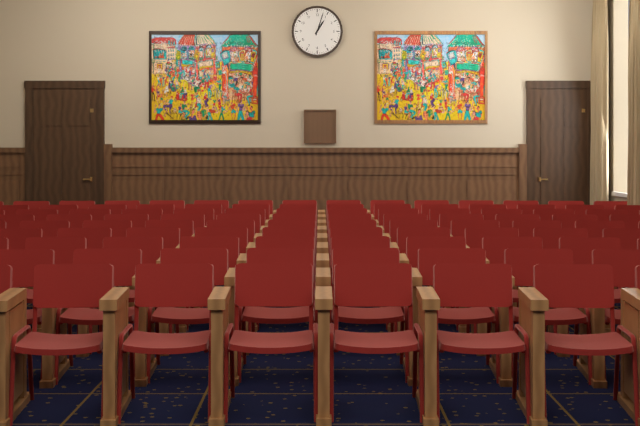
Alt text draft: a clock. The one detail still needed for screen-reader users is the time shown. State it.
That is 1:03
